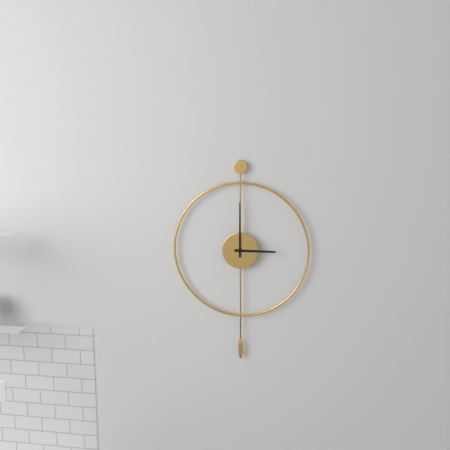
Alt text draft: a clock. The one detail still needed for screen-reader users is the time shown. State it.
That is 3:00
